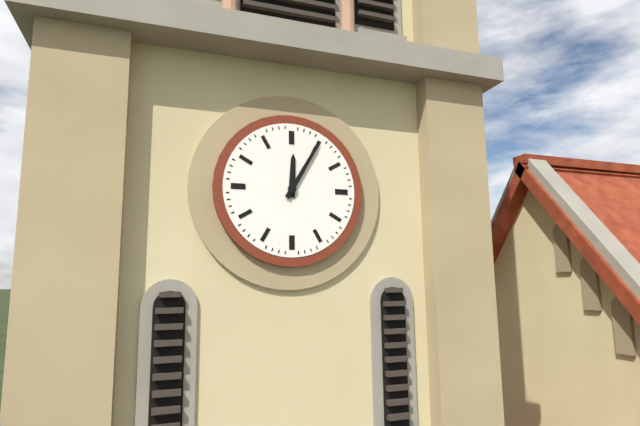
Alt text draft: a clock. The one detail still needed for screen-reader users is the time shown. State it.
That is 12:05
